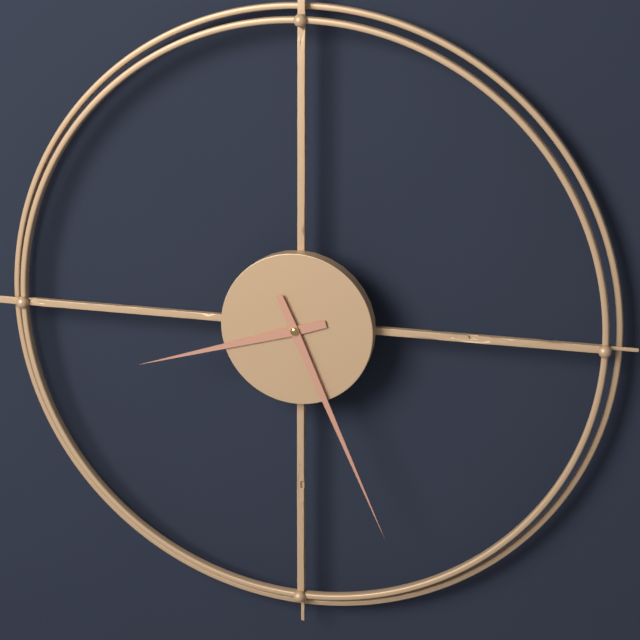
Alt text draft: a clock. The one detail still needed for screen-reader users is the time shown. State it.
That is 8:26
